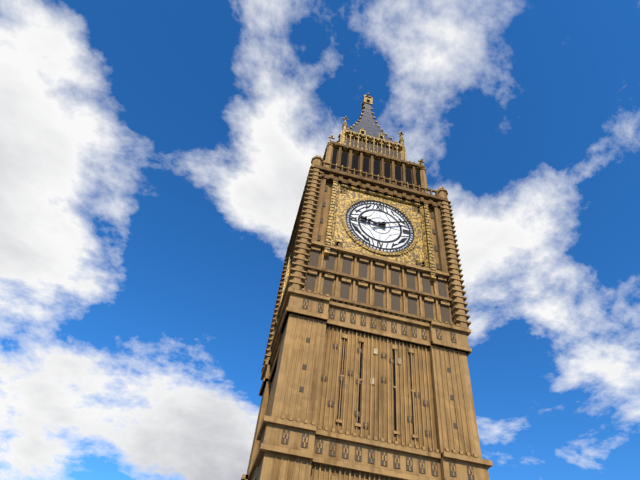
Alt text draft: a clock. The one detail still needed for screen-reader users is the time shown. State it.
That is 9:11
